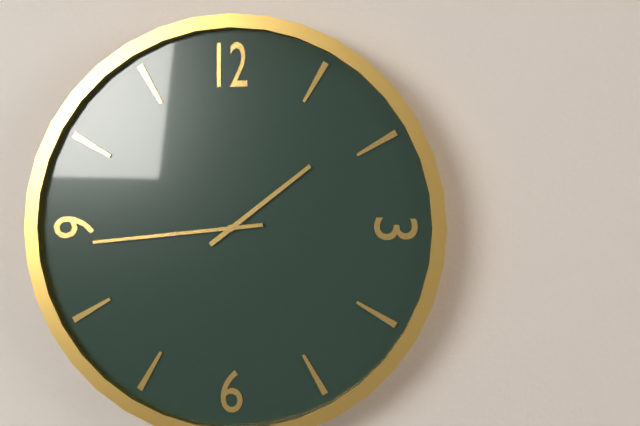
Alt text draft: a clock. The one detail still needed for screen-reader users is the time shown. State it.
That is 1:44
